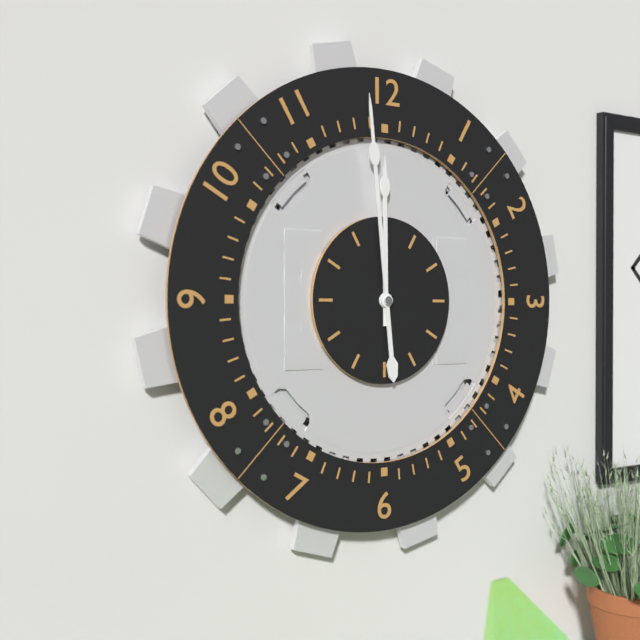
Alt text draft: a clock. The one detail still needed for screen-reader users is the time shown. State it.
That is 11:59
